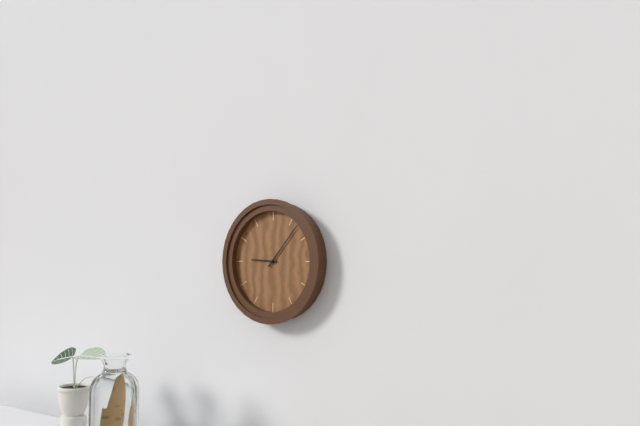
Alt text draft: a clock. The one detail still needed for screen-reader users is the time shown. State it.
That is 9:07
